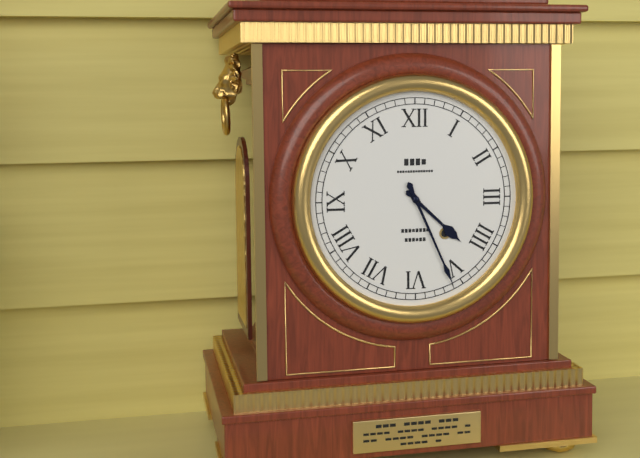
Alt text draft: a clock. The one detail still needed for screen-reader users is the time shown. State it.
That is 4:26
